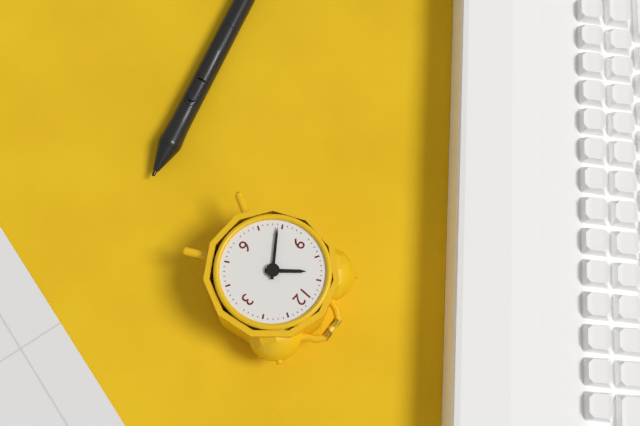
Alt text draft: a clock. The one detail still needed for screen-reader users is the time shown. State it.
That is 10:39
